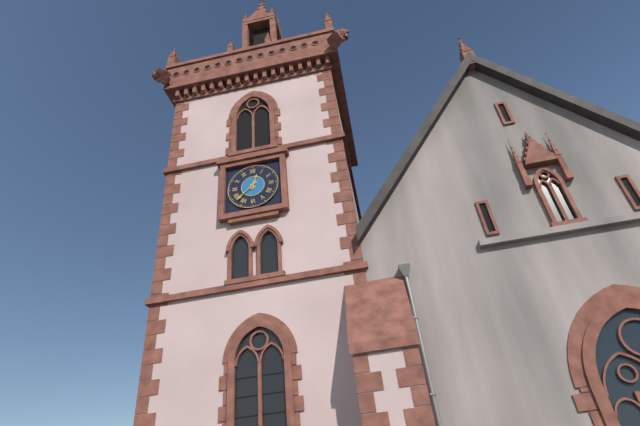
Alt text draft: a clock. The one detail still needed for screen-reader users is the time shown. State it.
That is 12:38
